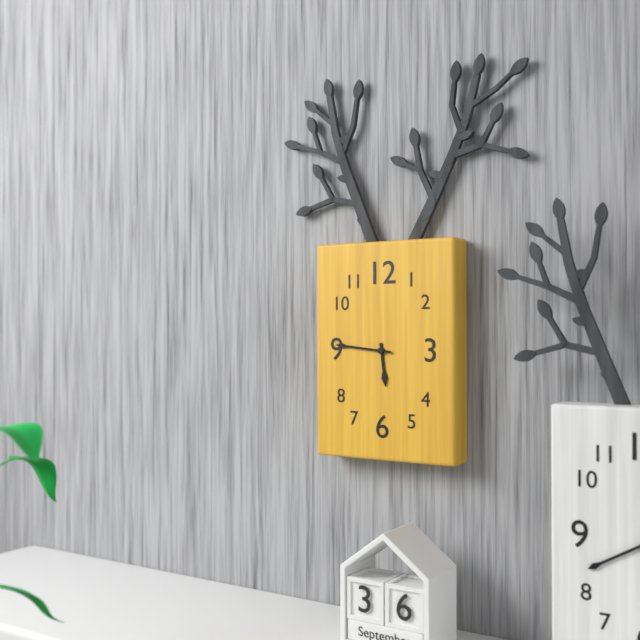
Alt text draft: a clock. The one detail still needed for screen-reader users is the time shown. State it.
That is 5:46
